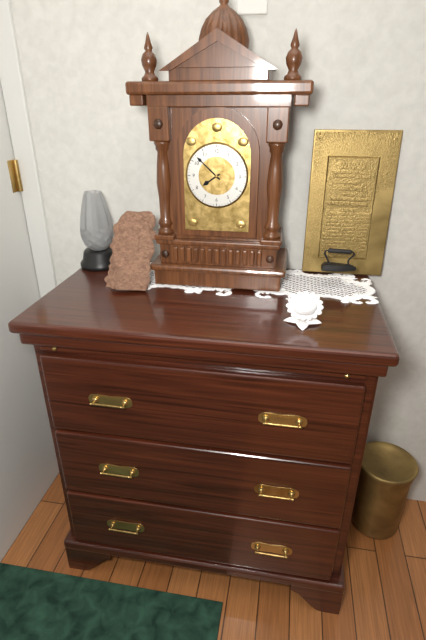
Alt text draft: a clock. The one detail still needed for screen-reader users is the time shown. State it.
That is 7:52
